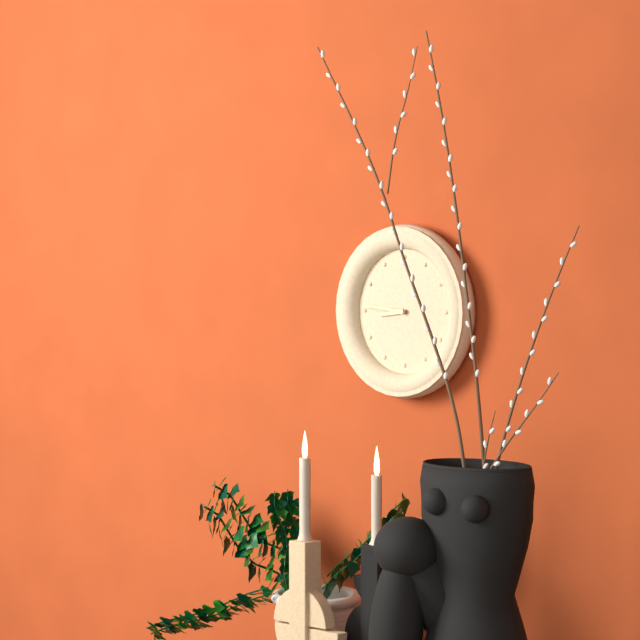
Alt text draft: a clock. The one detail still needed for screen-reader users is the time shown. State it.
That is 8:46
